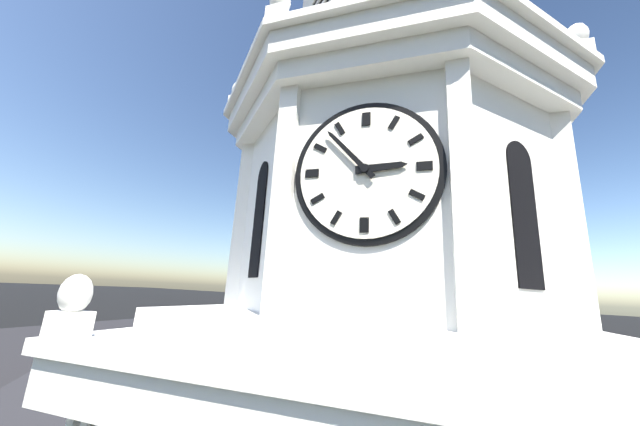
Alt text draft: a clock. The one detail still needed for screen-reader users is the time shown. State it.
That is 2:53
